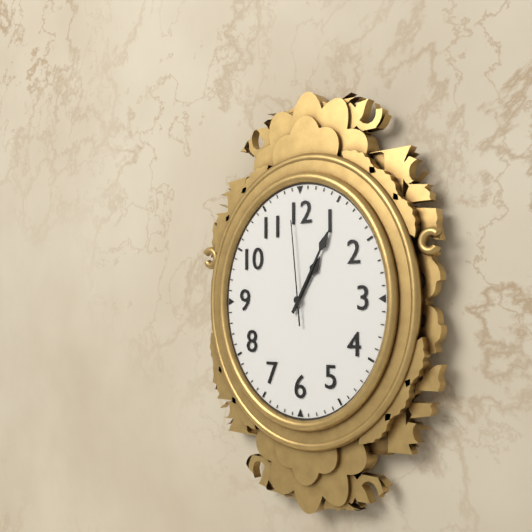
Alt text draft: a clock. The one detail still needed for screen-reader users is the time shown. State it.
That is 1:05:59
